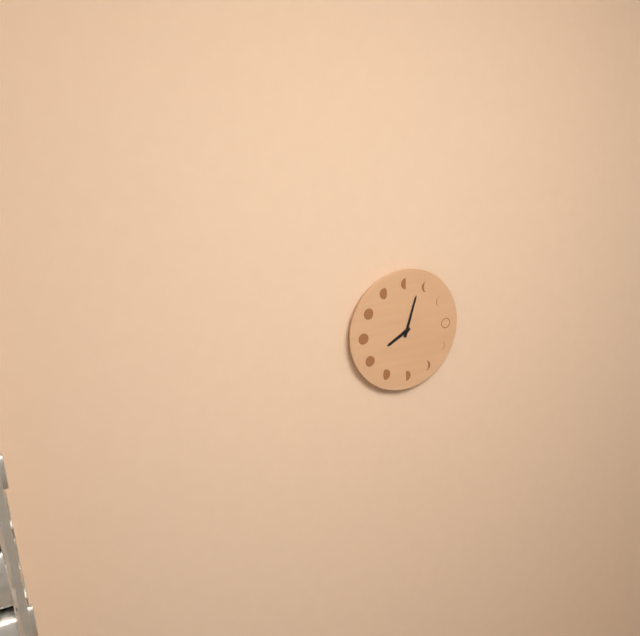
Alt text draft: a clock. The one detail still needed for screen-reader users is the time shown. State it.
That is 8:03
